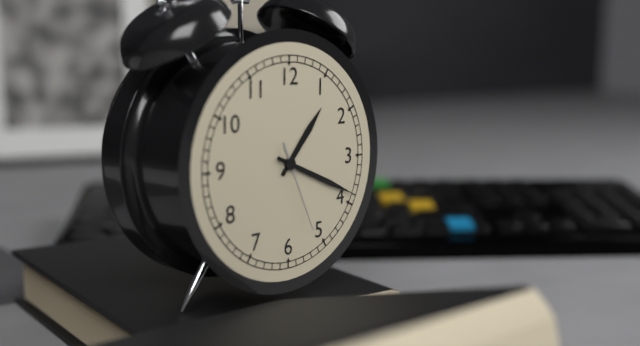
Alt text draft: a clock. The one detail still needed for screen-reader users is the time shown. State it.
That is 1:19:26
